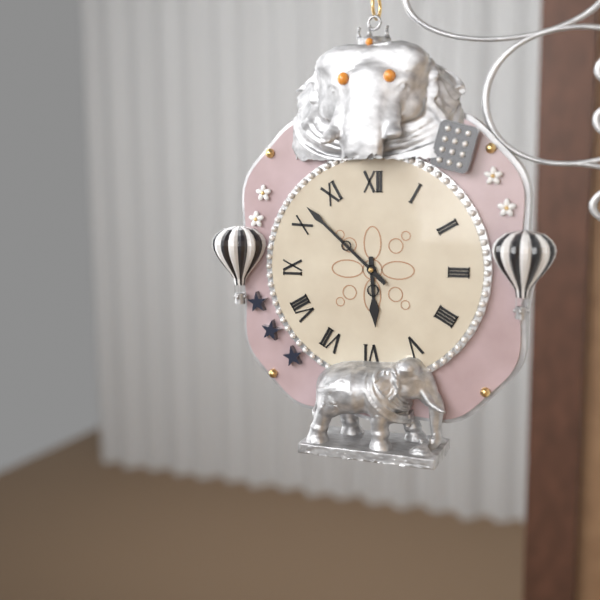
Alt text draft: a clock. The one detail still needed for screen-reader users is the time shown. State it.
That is 5:52
